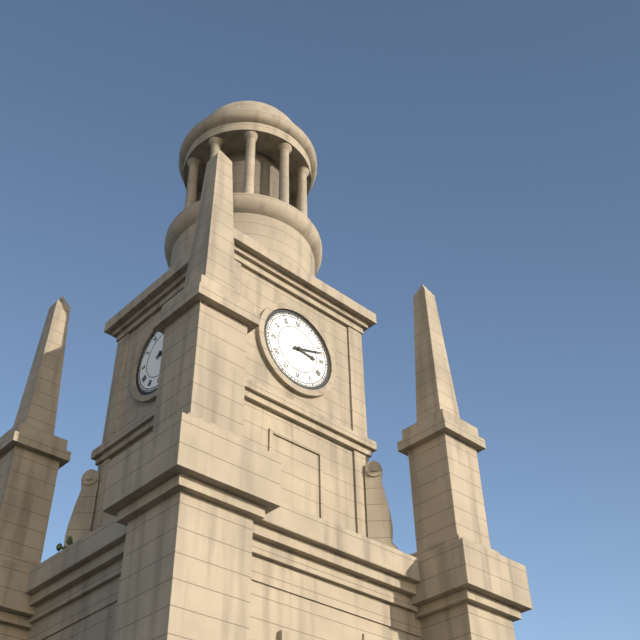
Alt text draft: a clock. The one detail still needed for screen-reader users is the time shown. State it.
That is 3:12
